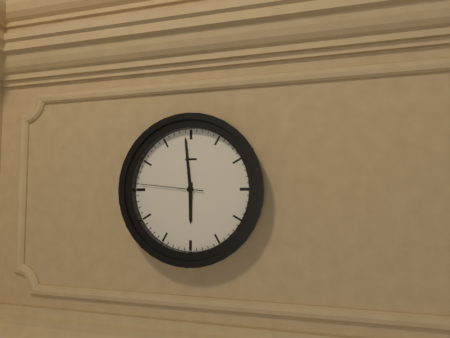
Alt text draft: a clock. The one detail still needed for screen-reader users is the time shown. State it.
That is 5:59:46
